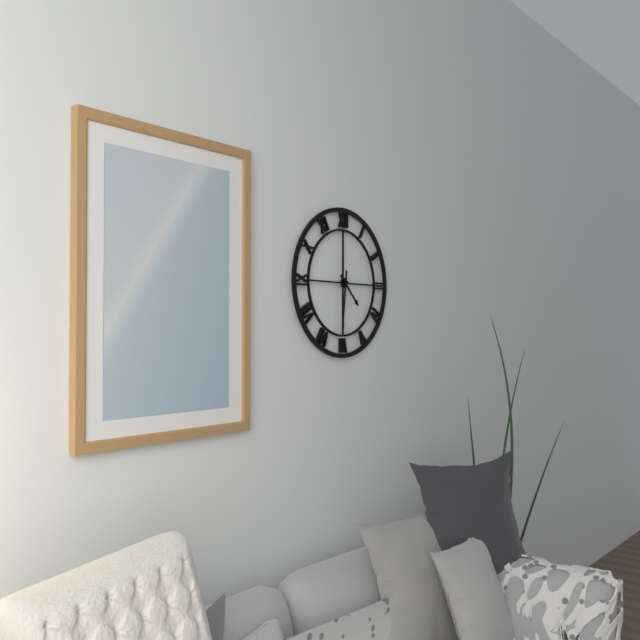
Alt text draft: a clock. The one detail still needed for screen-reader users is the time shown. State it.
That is 4:31
